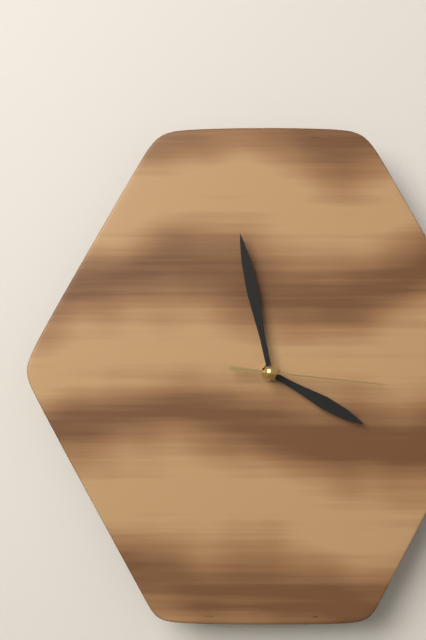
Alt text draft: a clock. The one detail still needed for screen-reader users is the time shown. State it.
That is 3:58:16
